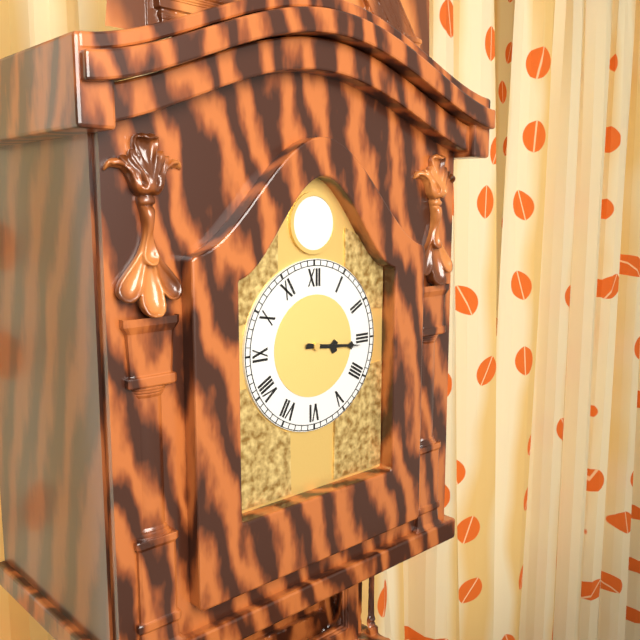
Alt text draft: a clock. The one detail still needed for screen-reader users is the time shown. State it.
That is 3:16
